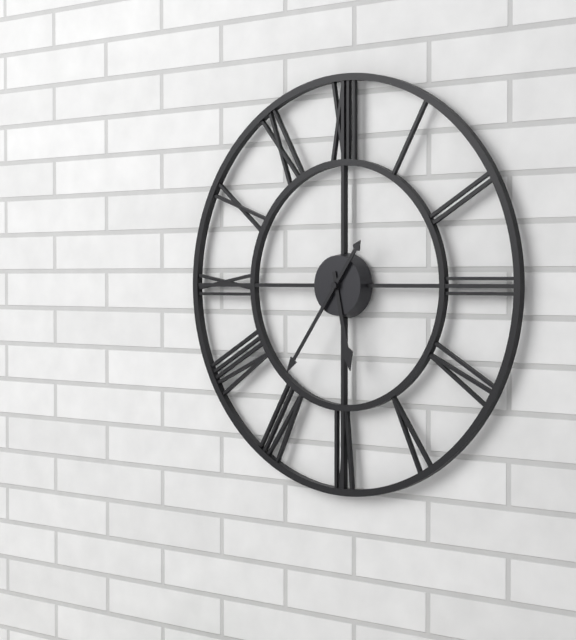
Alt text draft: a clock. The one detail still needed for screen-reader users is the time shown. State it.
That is 5:36
